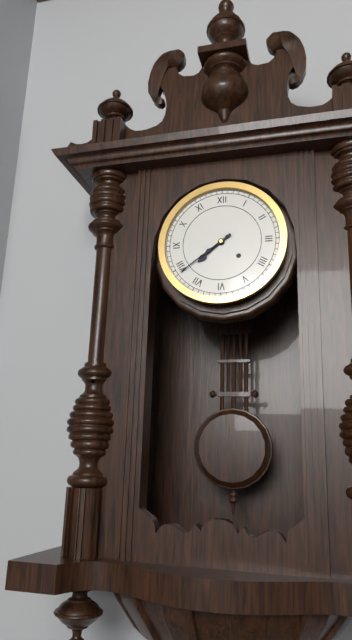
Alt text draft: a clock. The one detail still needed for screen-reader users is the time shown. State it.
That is 7:39
